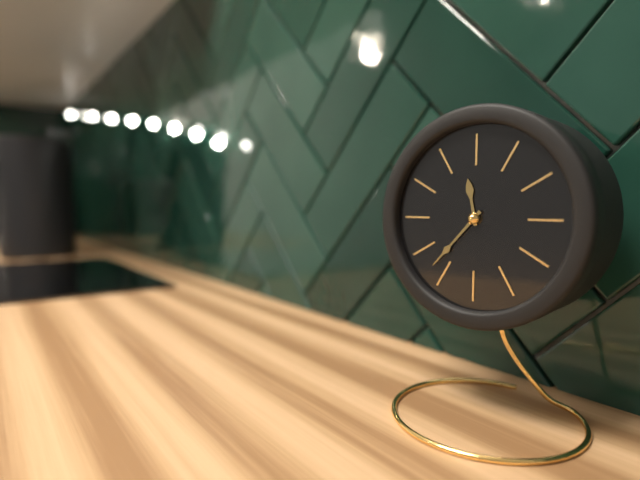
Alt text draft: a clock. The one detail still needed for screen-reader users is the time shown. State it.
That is 11:37
